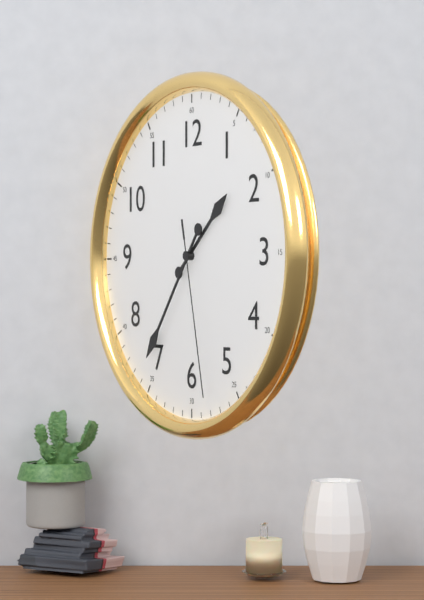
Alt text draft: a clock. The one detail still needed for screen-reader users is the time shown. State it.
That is 1:36:28
